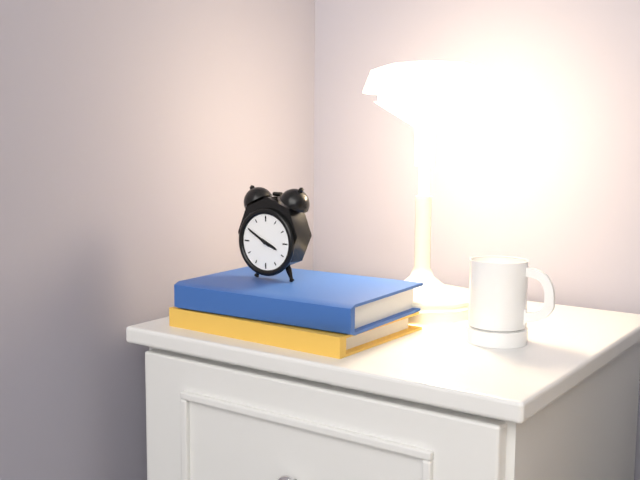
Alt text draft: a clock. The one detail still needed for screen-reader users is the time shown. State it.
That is 3:50
